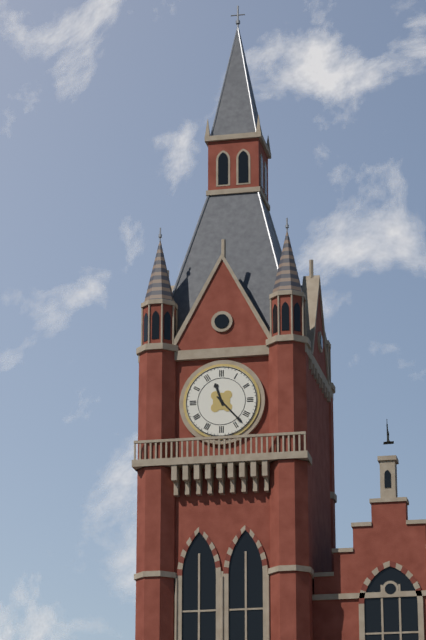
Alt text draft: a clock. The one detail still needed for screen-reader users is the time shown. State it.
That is 11:23
